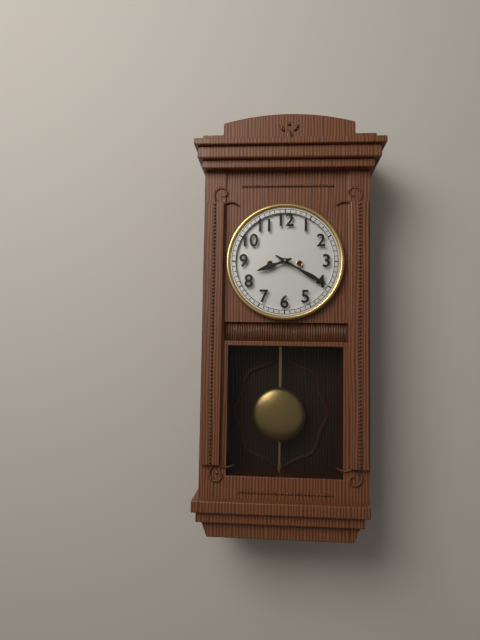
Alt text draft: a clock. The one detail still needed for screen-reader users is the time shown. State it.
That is 8:20
